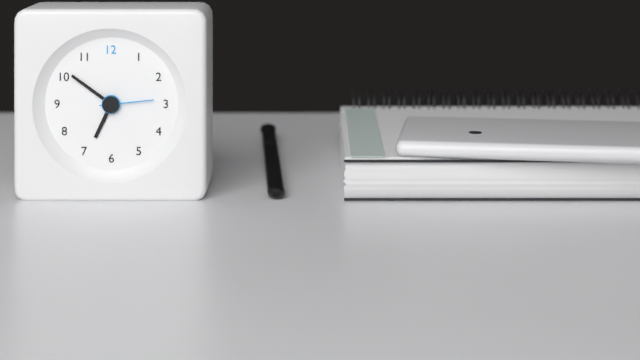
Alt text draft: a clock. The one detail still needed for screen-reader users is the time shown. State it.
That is 6:51:14
